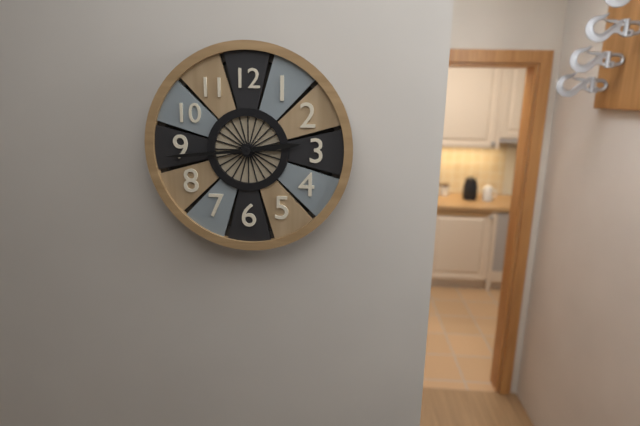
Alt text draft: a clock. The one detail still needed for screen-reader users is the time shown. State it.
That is 2:44
